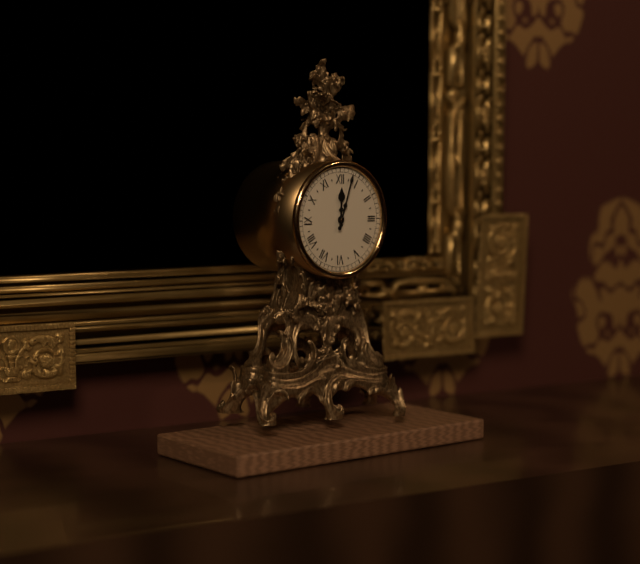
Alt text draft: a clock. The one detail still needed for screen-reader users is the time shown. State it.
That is 12:03
